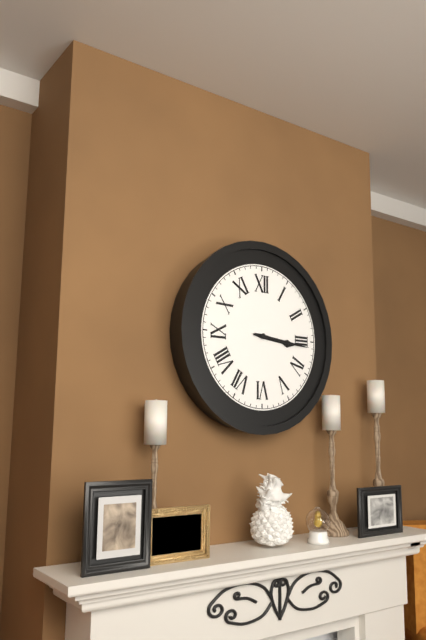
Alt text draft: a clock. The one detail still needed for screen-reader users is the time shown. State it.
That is 3:16
